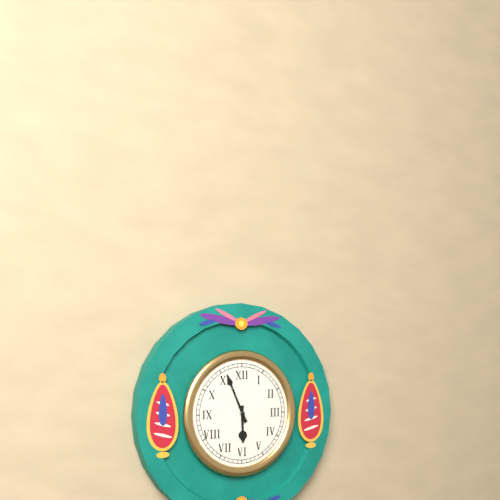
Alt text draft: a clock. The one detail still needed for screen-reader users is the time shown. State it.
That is 5:56
